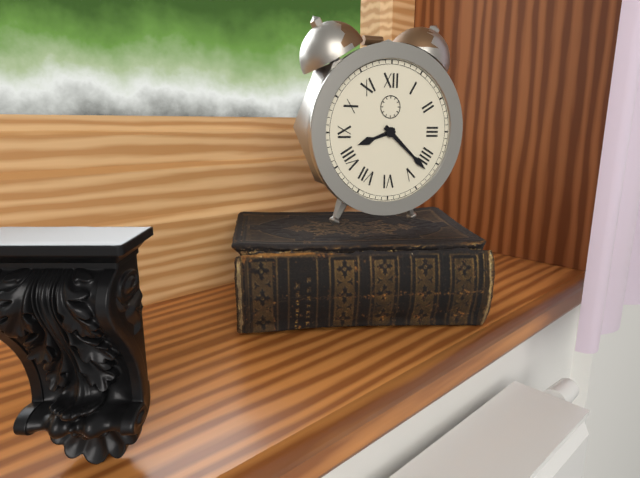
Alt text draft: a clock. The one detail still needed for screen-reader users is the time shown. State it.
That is 8:22
